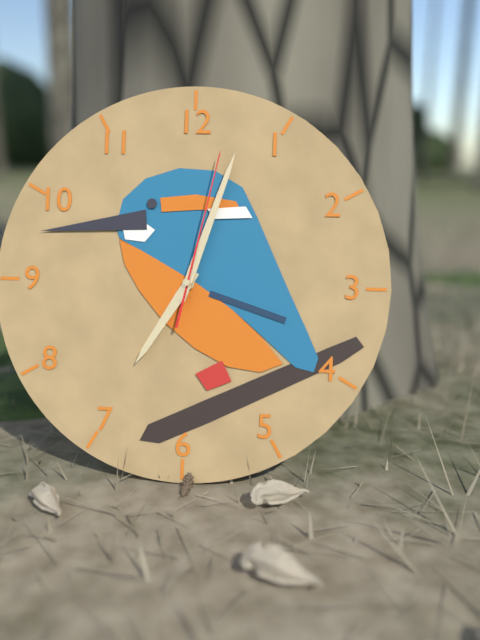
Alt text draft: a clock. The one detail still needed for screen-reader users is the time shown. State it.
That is 7:03:02
